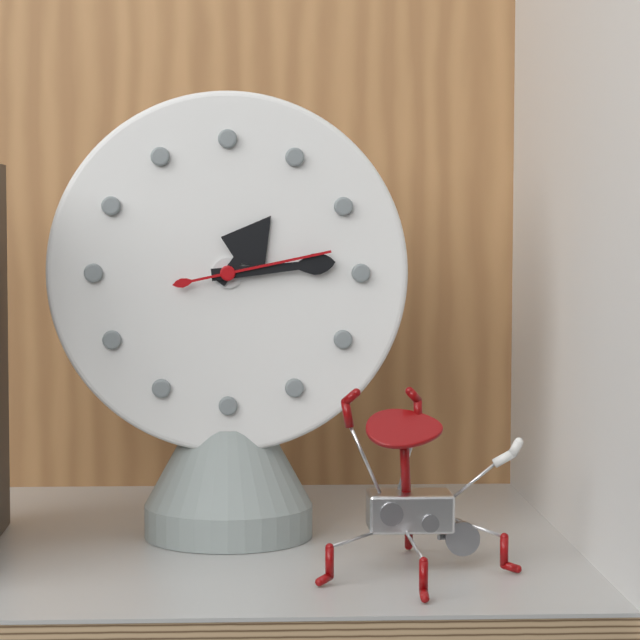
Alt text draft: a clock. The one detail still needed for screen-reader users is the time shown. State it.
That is 1:14:13
